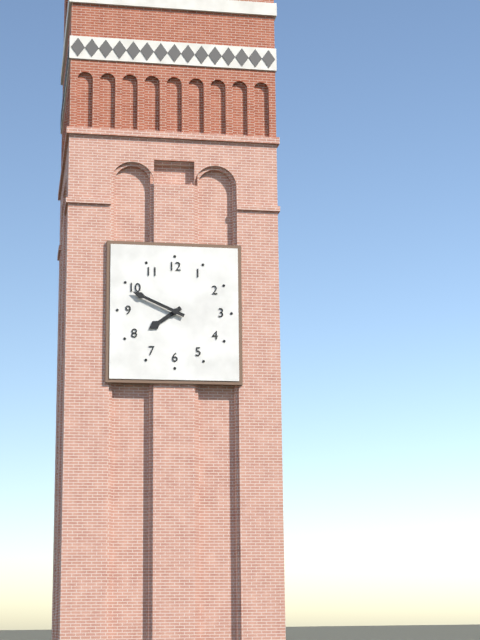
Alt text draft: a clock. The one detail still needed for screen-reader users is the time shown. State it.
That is 7:49
